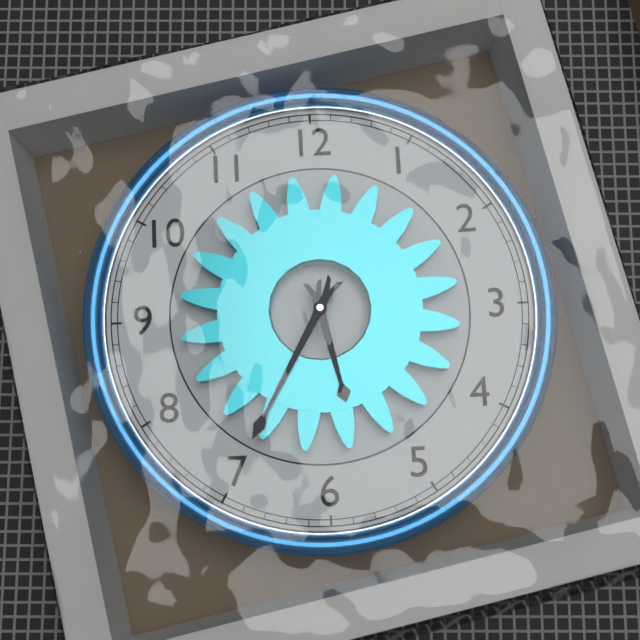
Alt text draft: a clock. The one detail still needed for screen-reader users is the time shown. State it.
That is 5:35
